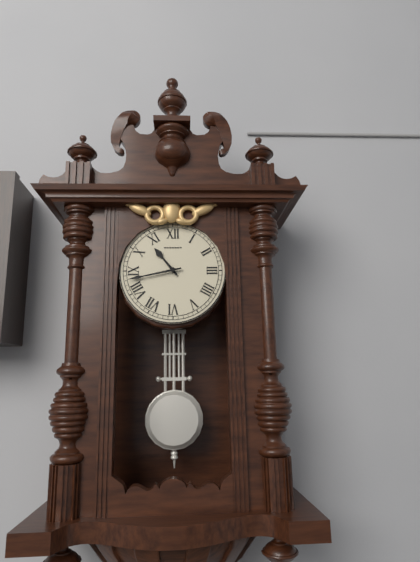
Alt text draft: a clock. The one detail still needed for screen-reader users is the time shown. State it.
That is 10:43
